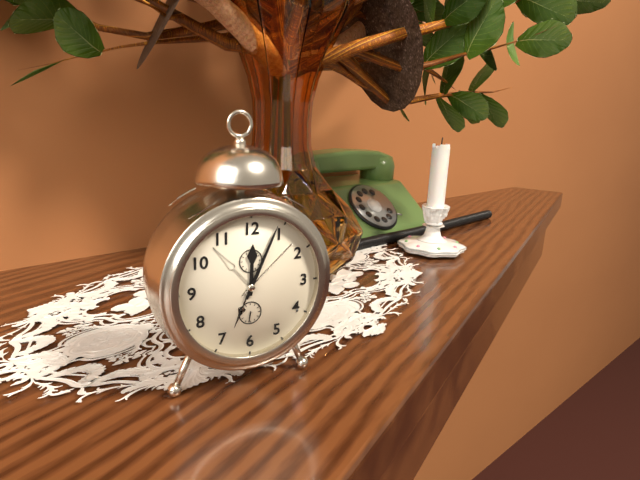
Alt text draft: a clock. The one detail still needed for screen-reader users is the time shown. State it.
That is 12:04
